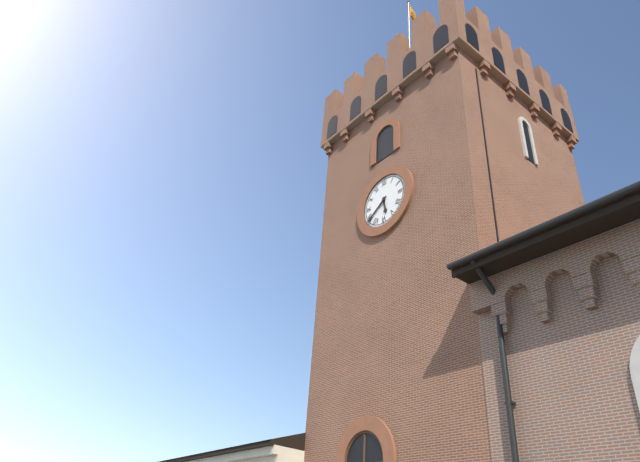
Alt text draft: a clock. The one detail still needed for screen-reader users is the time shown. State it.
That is 5:39
